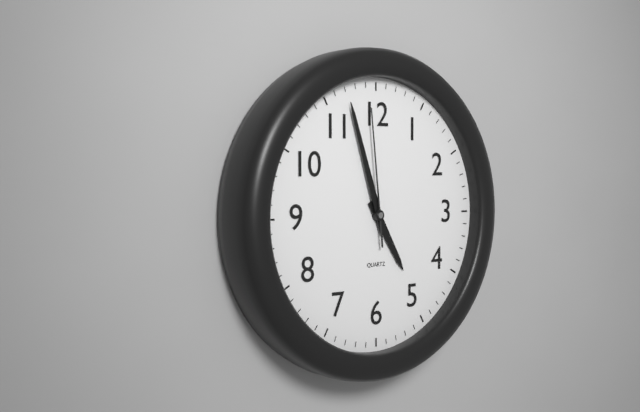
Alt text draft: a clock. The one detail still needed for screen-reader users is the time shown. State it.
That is 4:57:59
